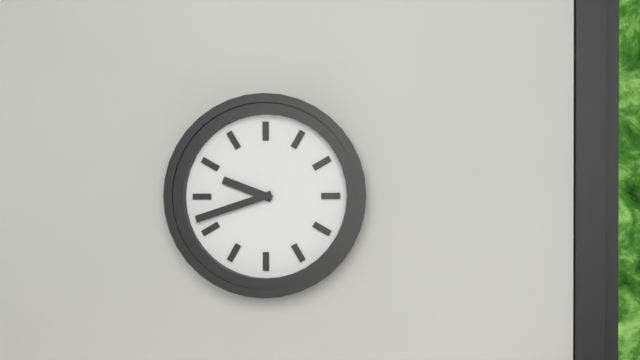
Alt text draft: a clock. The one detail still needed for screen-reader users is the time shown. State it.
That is 9:42
